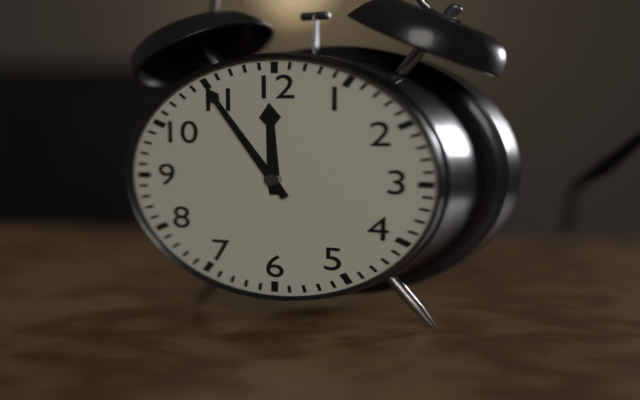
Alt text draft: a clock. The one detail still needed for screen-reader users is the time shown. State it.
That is 11:55
